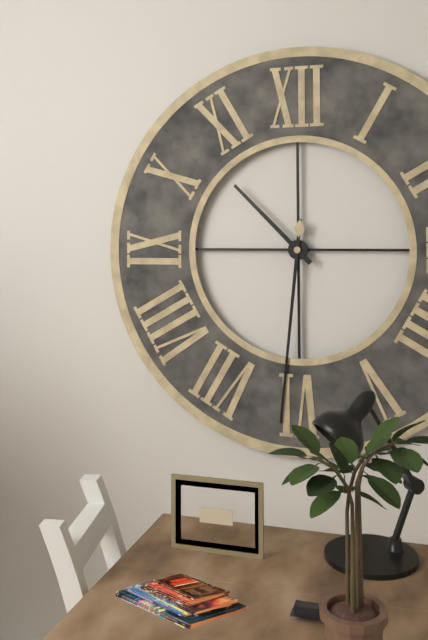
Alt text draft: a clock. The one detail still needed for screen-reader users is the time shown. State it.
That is 10:31
